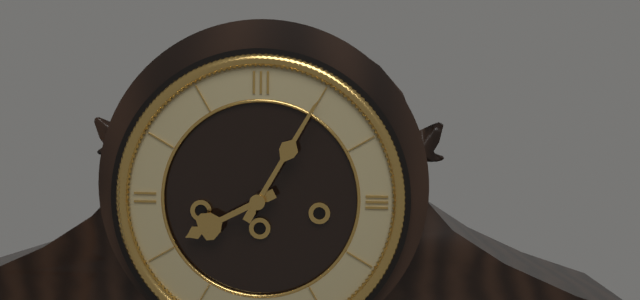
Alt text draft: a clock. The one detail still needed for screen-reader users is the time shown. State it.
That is 8:05
